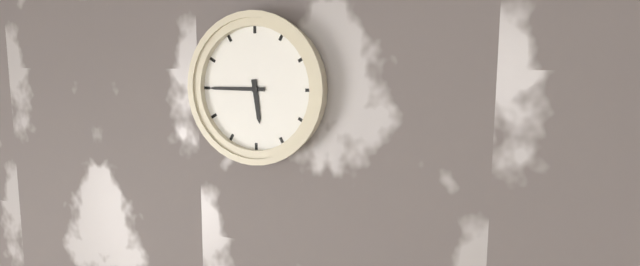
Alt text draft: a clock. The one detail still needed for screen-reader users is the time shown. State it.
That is 5:45
